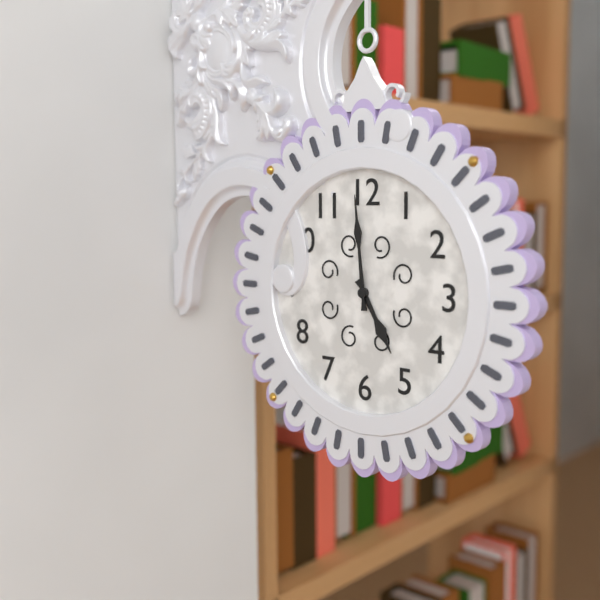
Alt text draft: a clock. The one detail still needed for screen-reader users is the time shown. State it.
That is 4:59
